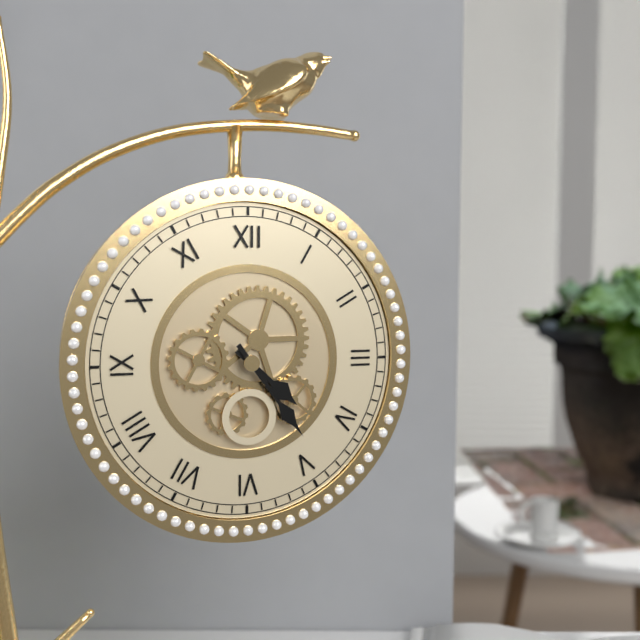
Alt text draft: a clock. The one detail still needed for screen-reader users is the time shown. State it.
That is 4:24
